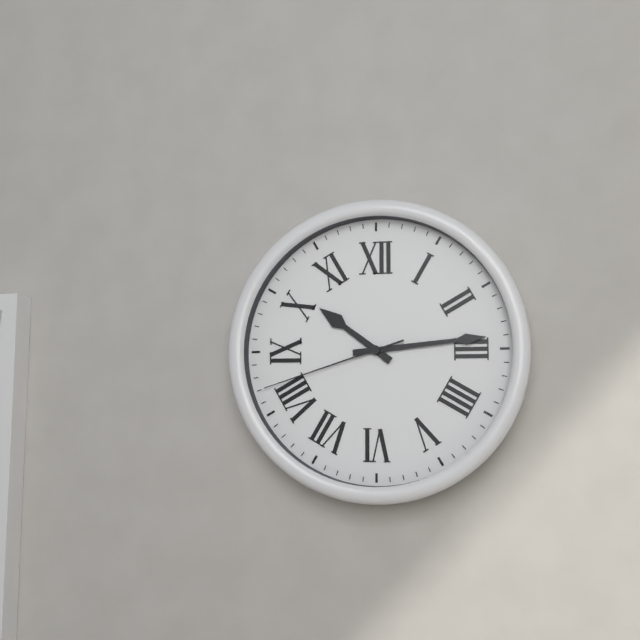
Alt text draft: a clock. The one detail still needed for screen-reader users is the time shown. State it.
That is 10:14:42
